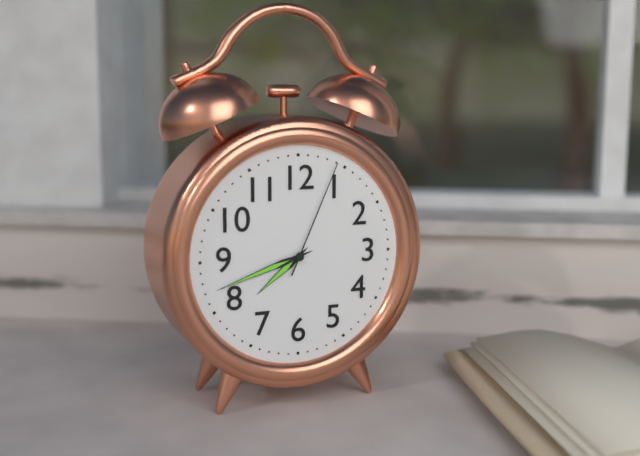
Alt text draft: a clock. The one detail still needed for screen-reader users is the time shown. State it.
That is 7:42:04
